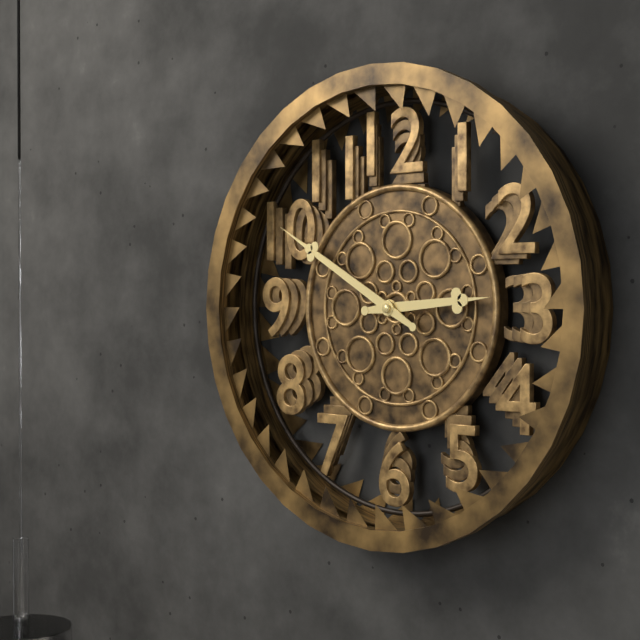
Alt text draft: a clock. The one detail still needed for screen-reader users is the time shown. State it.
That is 2:50
